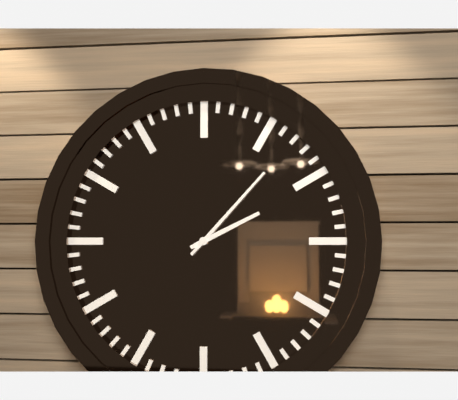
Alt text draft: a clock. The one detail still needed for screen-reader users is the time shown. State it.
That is 2:07
